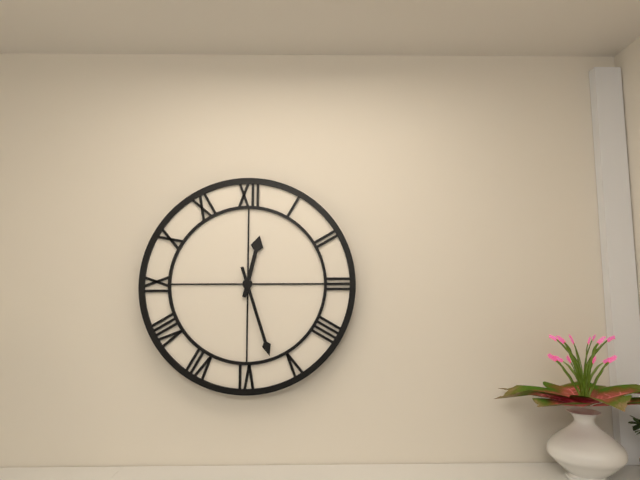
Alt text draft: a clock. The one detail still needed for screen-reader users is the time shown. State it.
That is 12:27
